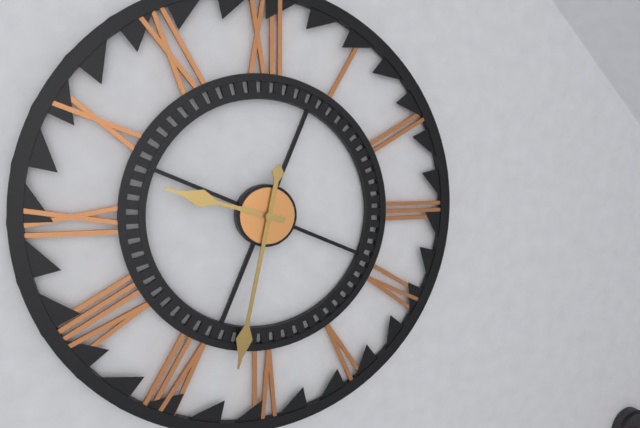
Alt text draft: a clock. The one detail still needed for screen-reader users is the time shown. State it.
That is 9:32
